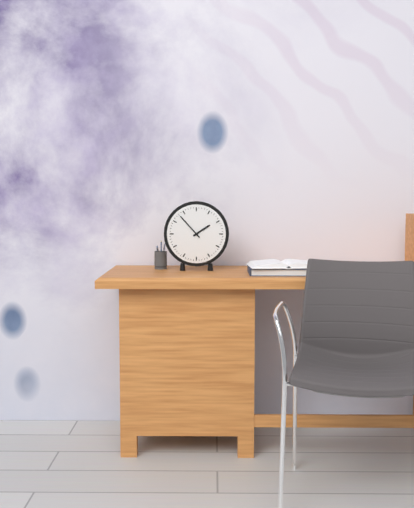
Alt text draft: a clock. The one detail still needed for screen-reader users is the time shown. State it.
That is 1:53
